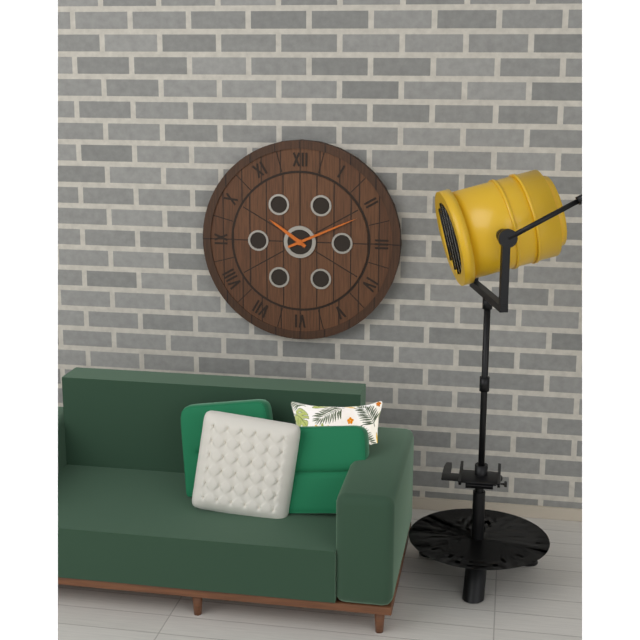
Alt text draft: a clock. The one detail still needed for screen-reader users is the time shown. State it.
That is 10:11
